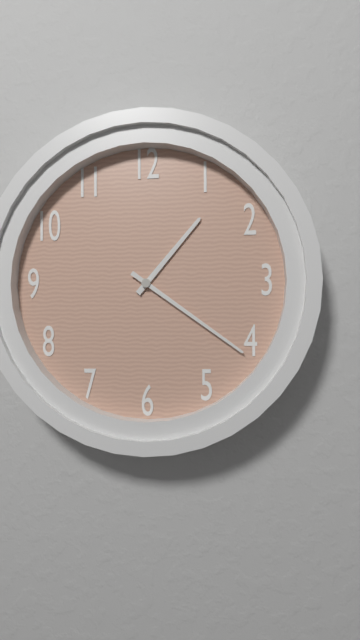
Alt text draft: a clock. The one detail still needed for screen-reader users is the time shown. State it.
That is 1:21
